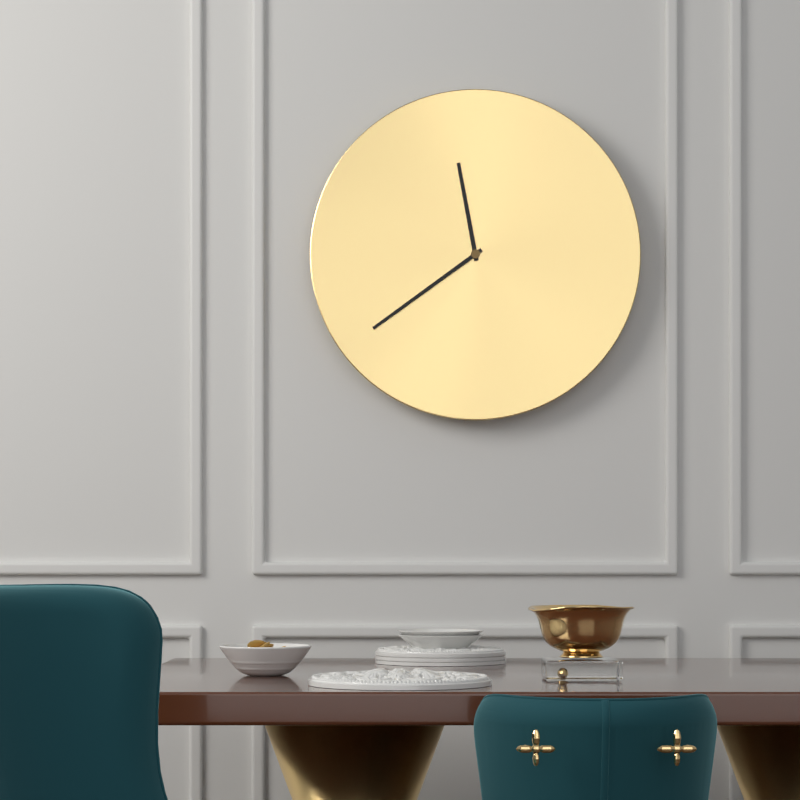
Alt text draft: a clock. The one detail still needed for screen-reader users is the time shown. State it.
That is 11:39
